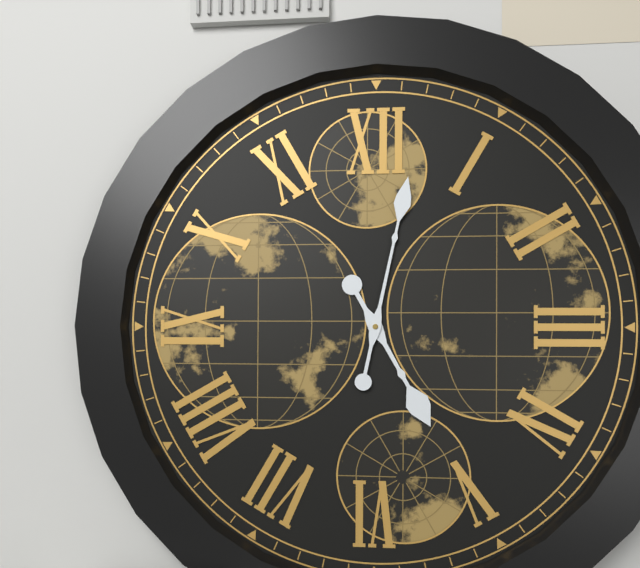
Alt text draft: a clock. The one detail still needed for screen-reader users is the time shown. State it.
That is 5:02
